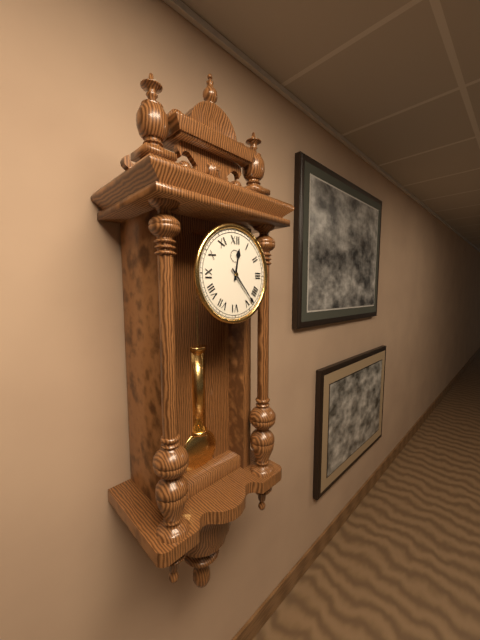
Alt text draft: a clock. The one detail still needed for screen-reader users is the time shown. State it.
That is 12:23
